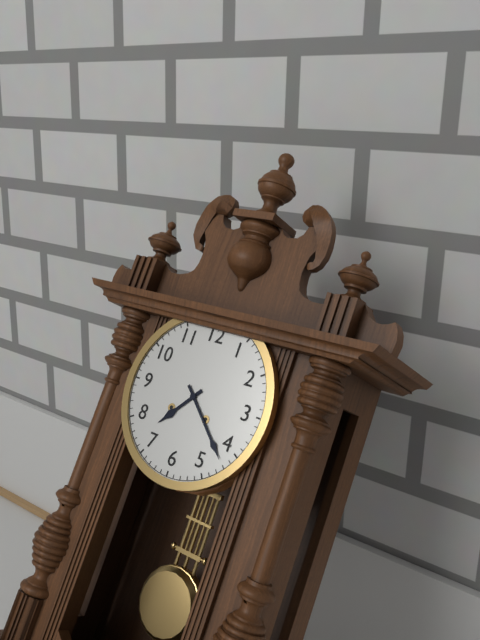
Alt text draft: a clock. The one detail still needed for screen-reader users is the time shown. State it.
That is 7:22
